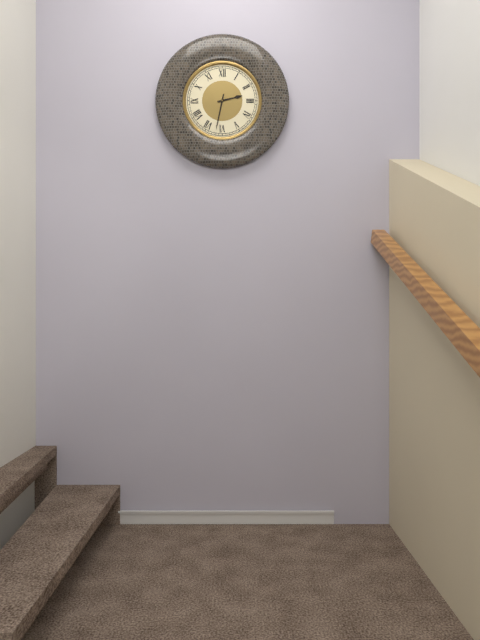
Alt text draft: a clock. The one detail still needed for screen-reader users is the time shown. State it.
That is 2:32
